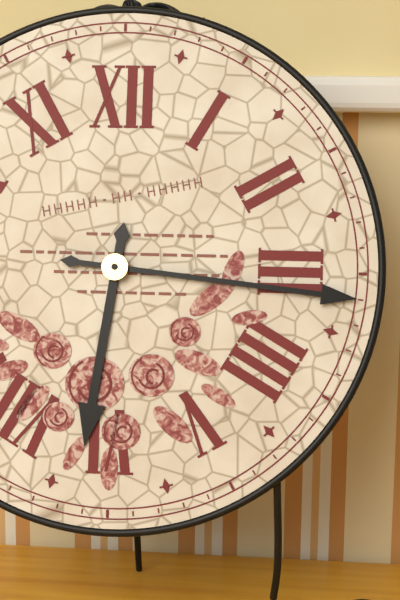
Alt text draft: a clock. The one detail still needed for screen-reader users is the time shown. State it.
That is 6:16
